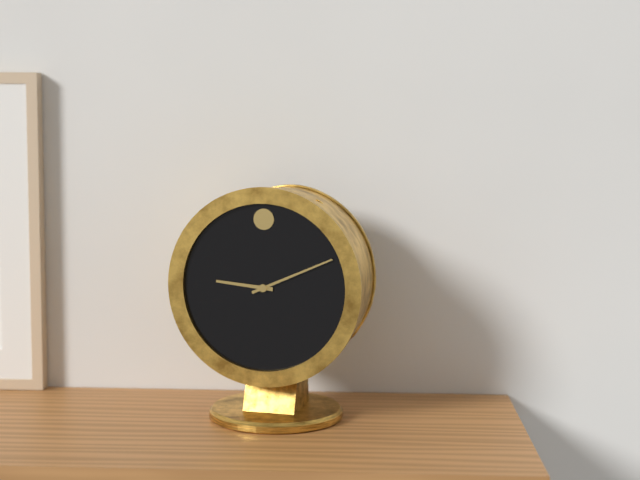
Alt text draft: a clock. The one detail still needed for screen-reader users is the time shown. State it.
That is 9:11
